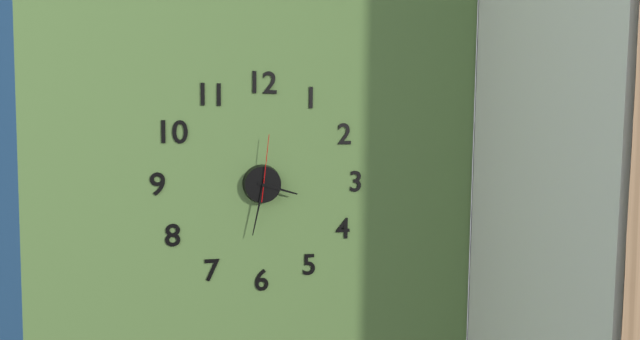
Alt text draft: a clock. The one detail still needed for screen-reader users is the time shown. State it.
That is 3:32:01
